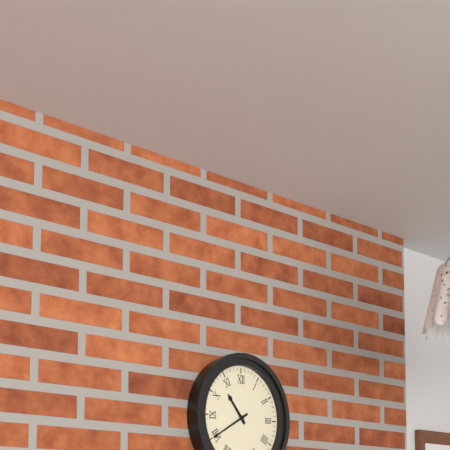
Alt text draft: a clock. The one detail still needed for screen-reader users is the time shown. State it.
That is 10:40
